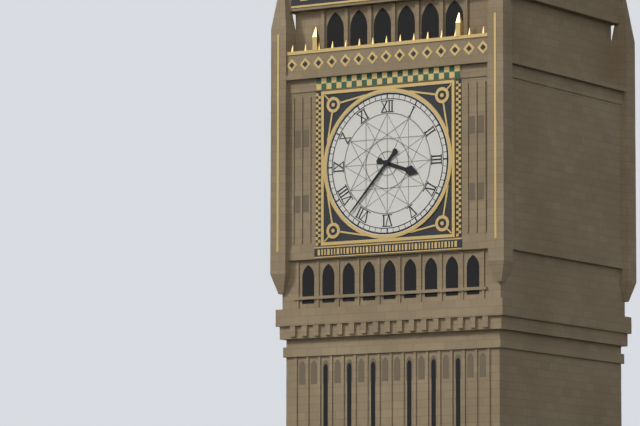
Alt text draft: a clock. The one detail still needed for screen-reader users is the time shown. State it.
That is 3:37
